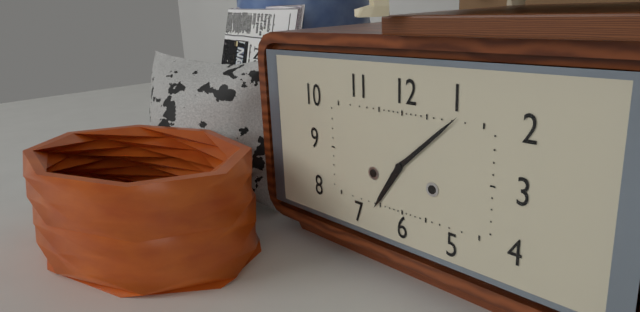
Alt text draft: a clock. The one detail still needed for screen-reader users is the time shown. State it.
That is 7:08
